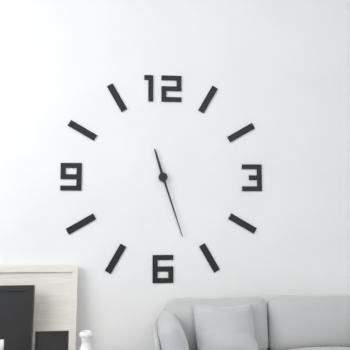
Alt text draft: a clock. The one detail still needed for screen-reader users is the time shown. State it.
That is 11:27
